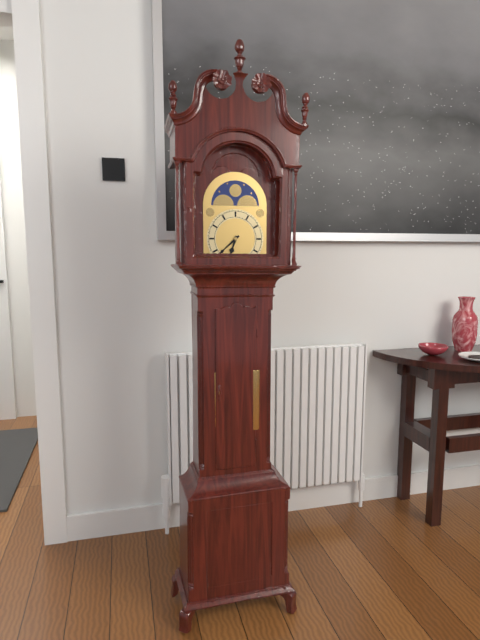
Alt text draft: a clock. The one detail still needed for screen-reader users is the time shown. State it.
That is 6:38
